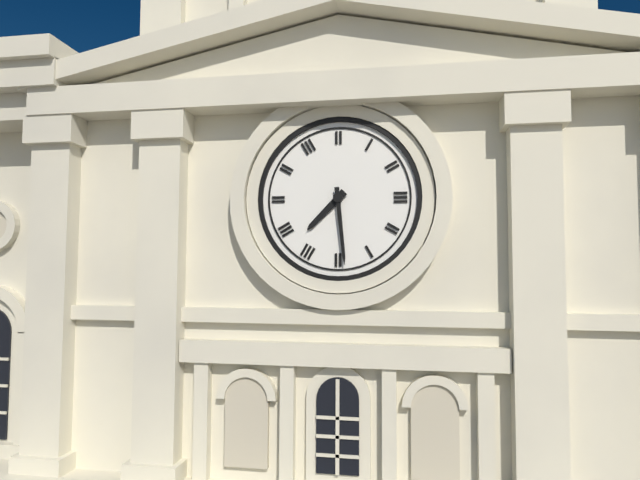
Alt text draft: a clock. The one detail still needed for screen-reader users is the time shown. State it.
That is 7:29
